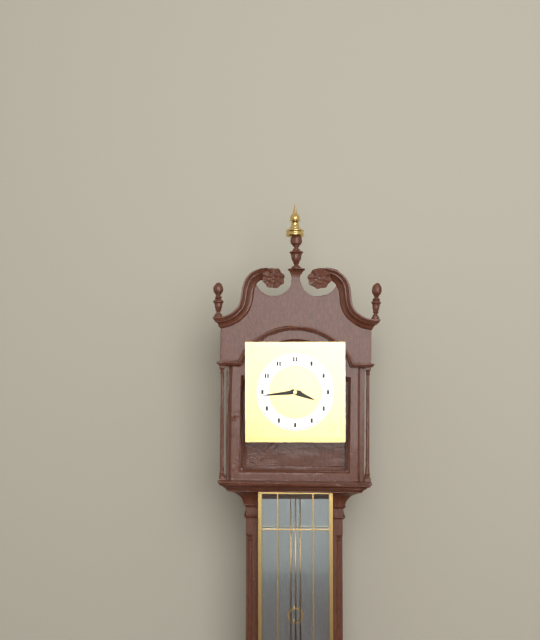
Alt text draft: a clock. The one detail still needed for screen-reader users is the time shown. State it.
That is 3:44
